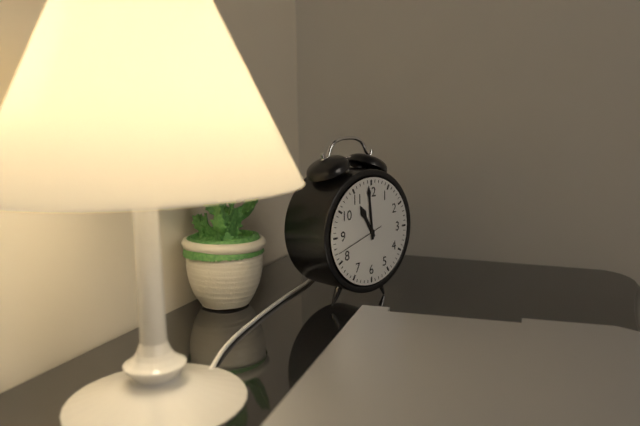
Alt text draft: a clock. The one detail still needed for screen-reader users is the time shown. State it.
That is 10:59:42
